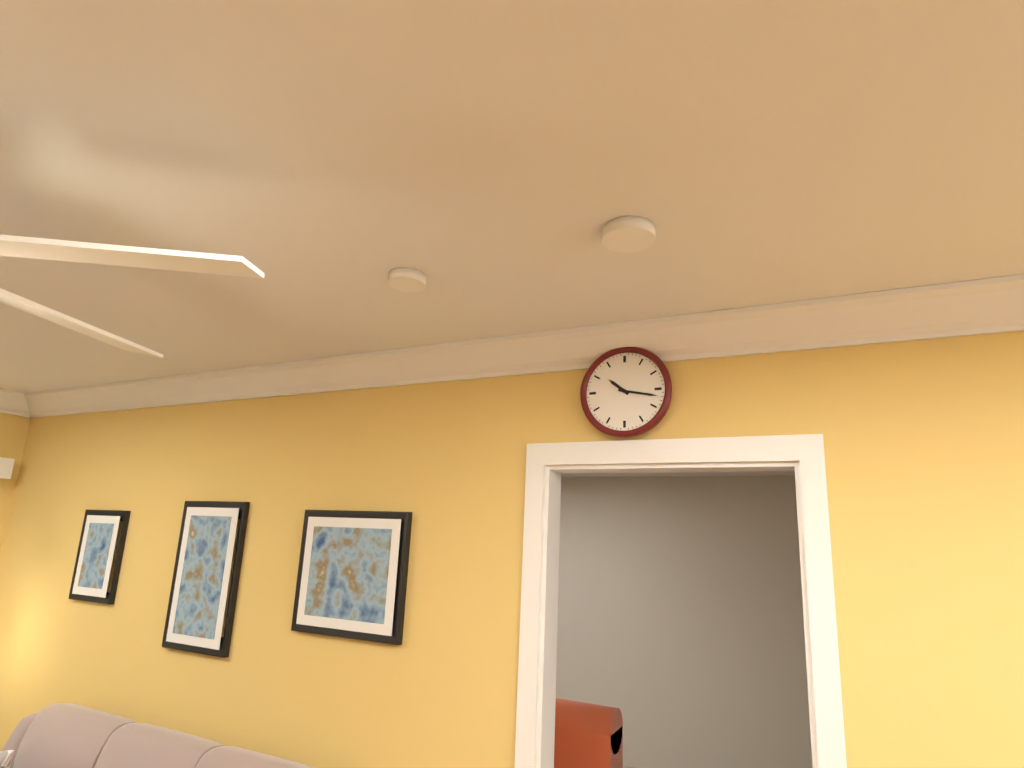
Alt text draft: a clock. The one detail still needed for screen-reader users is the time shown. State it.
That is 10:17
